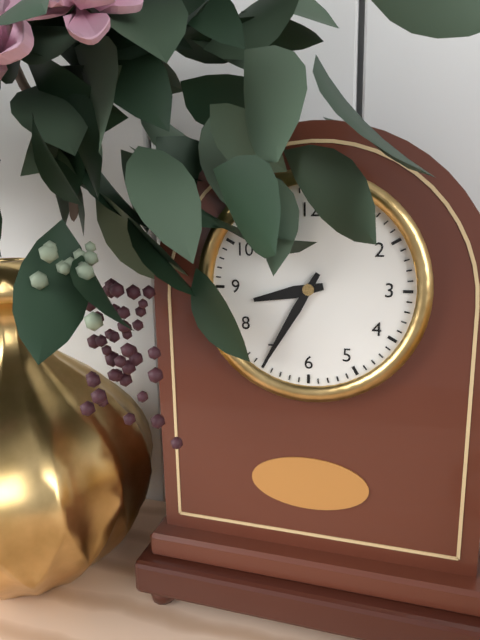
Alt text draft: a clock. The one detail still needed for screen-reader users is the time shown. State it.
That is 8:35
